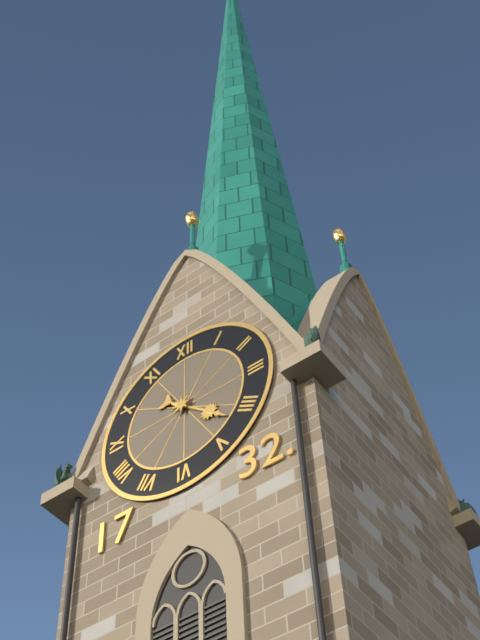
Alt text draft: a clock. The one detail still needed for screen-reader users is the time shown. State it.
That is 4:22
